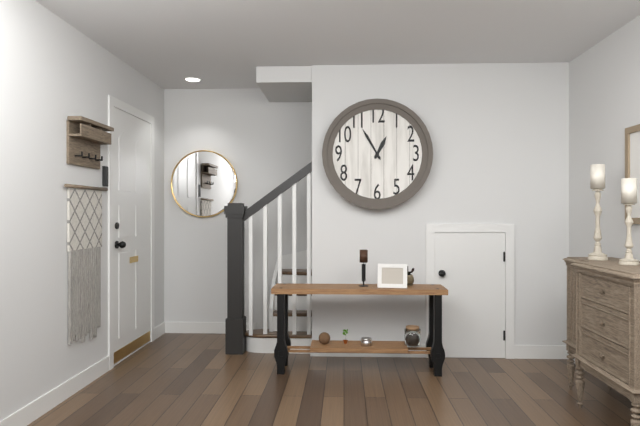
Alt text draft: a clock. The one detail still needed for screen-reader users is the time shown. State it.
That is 12:55
